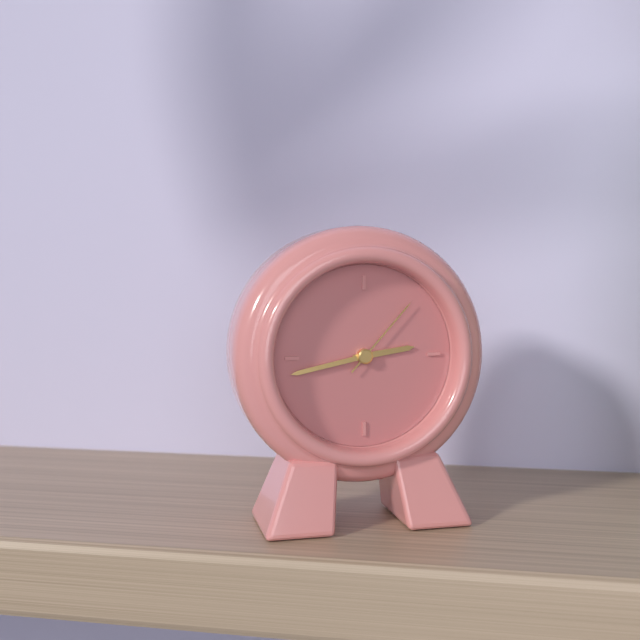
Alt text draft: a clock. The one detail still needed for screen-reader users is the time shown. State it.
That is 2:43:07
